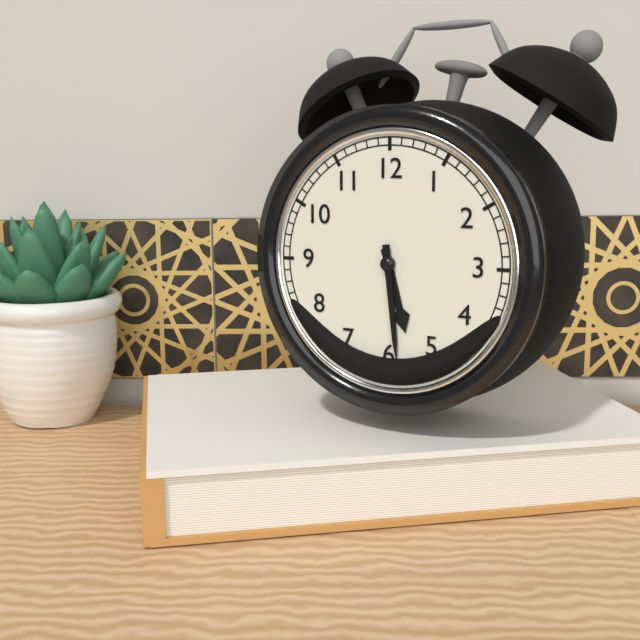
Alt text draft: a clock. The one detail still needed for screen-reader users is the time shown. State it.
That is 5:29
